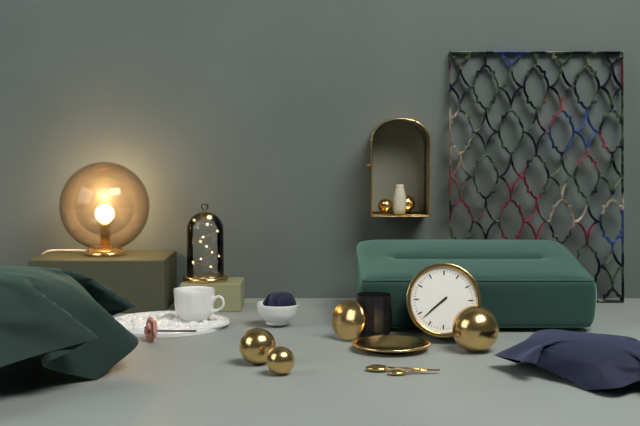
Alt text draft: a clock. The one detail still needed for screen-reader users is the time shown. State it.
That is 7:38
